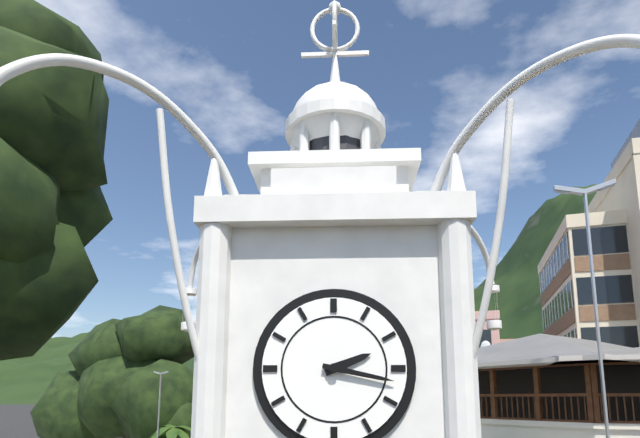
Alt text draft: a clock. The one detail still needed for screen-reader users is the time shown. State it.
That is 2:17
